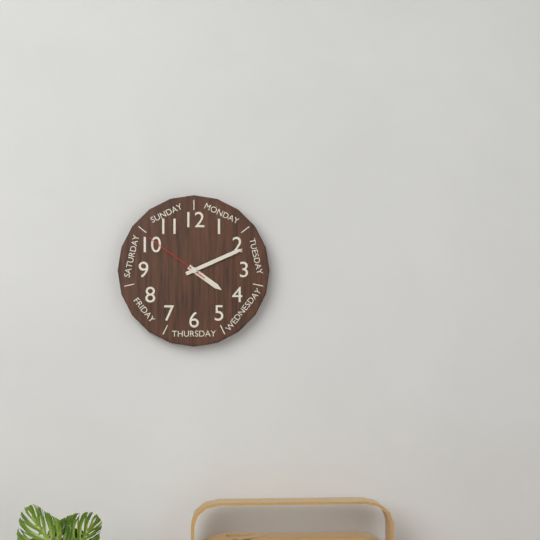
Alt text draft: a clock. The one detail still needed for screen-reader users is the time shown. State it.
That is 4:11:51
